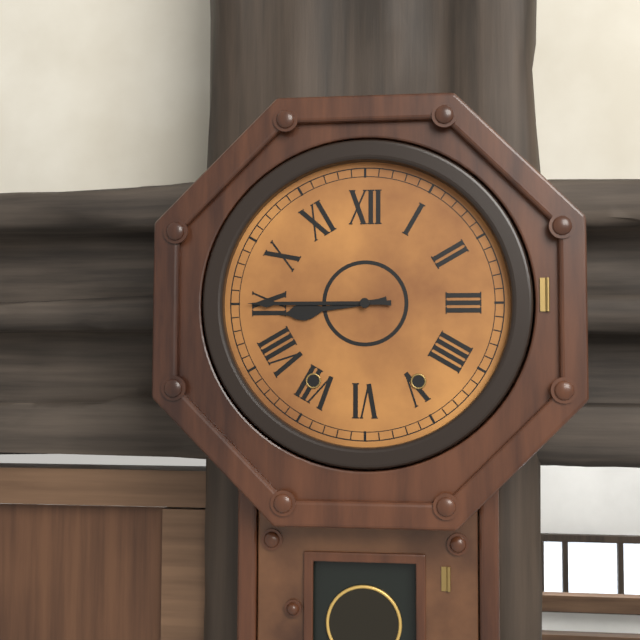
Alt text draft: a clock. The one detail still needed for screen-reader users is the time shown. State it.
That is 8:45
